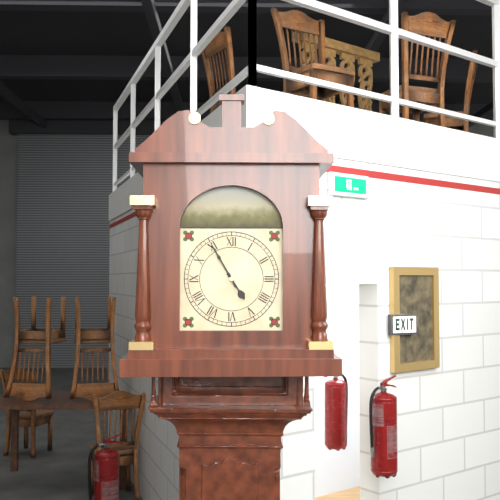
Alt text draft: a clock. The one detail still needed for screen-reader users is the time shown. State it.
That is 4:55
